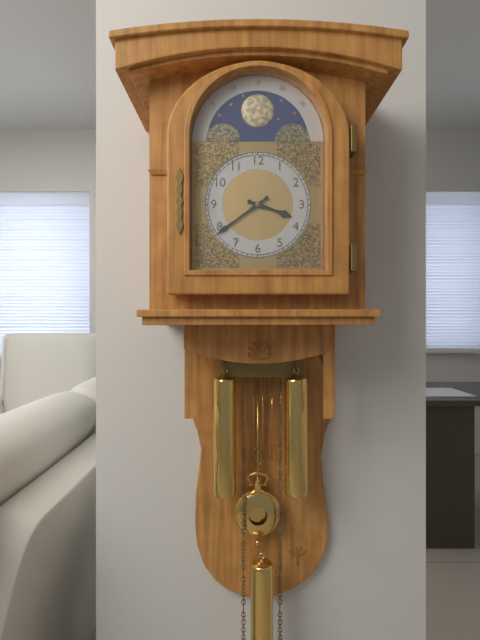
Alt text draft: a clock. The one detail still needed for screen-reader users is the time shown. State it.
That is 3:39
